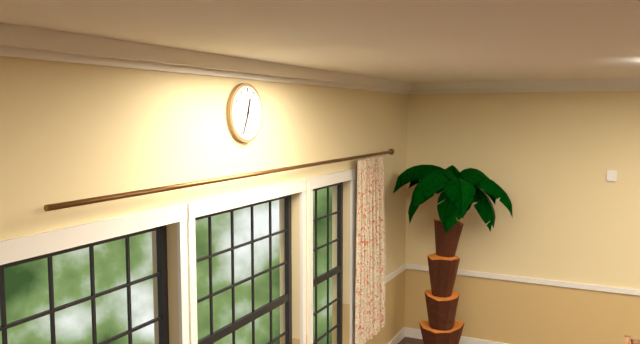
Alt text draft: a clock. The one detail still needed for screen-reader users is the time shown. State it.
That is 12:34
